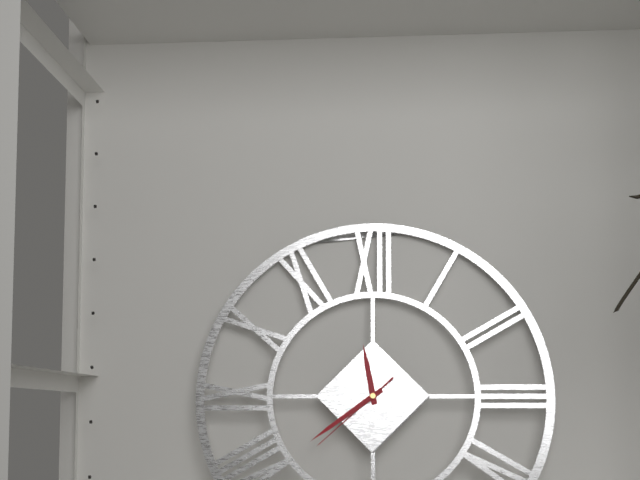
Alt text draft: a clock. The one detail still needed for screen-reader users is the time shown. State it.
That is 11:39:38
